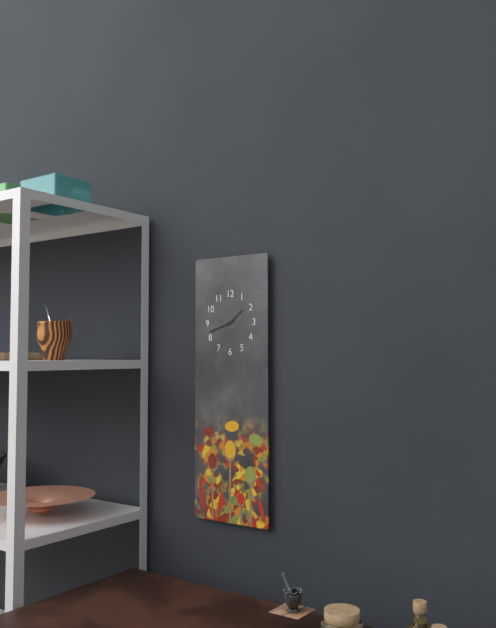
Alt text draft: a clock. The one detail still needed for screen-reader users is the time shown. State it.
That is 1:42
